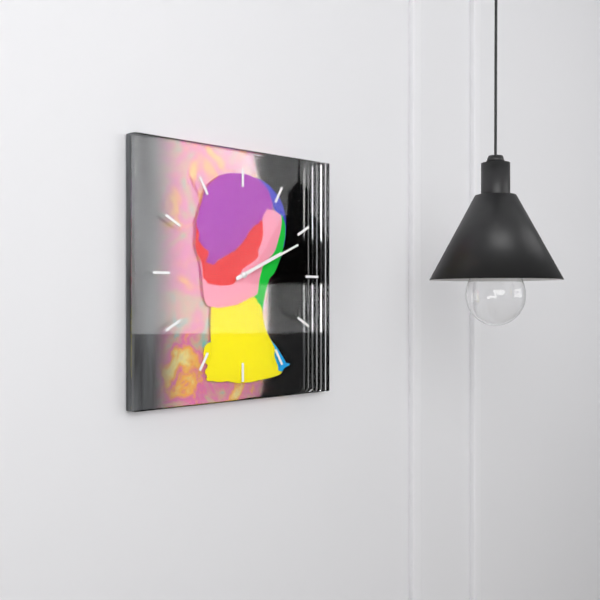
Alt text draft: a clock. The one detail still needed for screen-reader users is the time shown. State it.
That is 2:11
